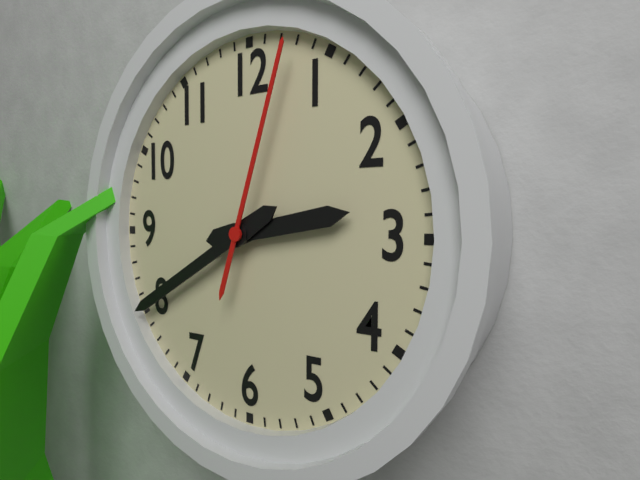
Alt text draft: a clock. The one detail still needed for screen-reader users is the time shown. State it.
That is 2:40:03
